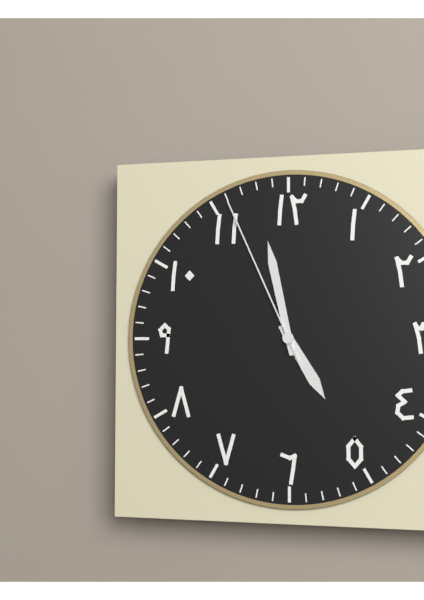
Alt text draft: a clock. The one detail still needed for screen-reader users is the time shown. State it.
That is 4:58:56
